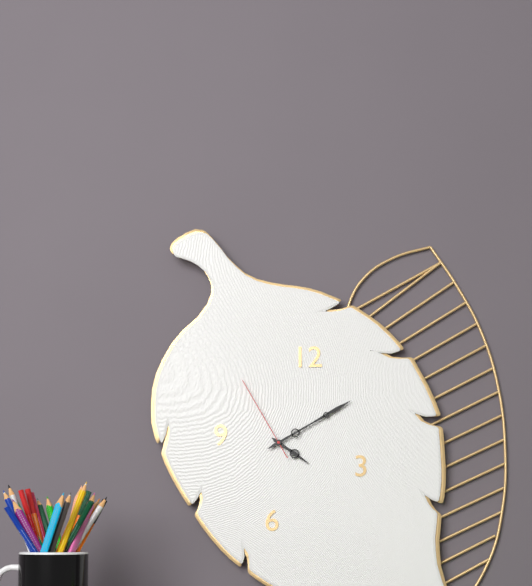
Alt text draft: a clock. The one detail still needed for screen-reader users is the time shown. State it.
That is 4:10:55
